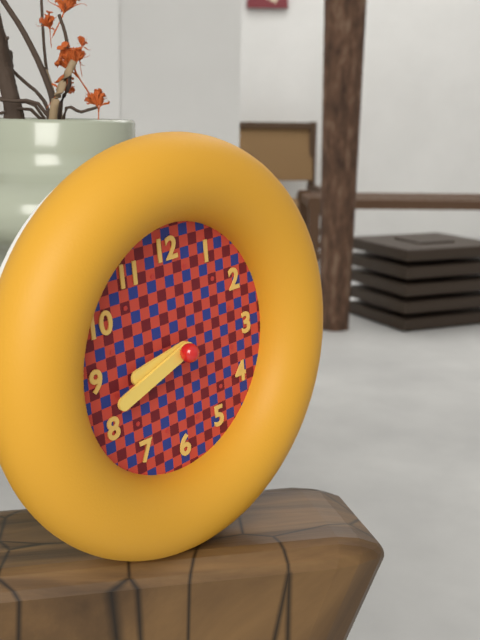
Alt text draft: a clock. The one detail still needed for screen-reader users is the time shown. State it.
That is 8:42
